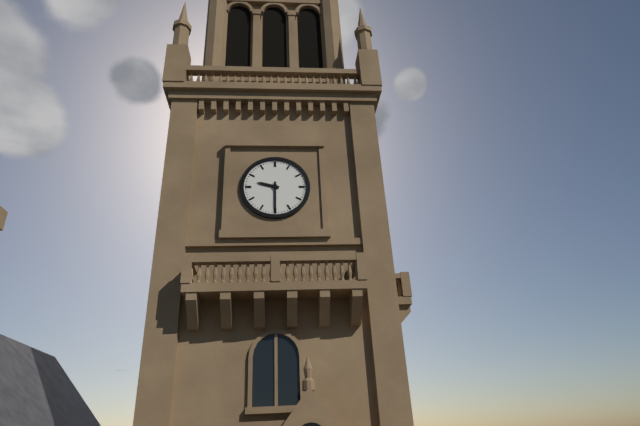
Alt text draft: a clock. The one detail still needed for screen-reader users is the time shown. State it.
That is 9:30
